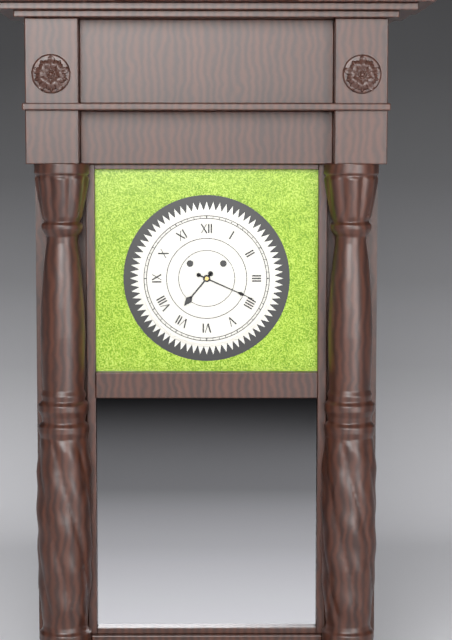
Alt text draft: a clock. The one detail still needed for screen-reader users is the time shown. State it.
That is 7:19
